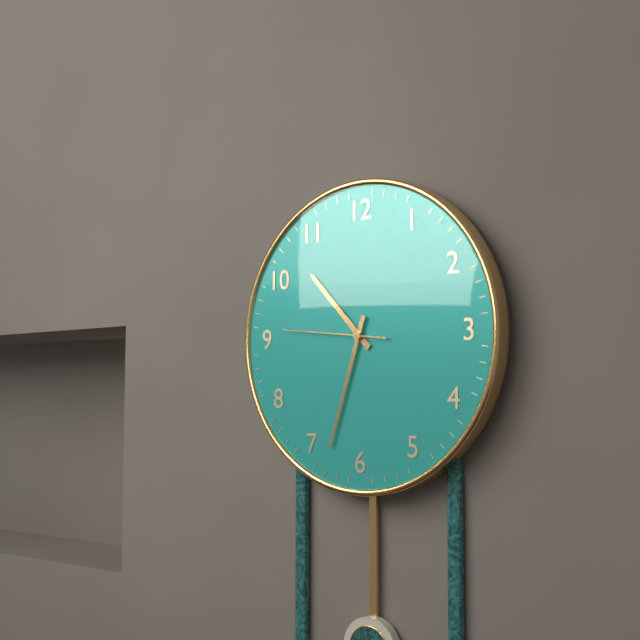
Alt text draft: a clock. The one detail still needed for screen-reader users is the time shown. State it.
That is 10:33:46
